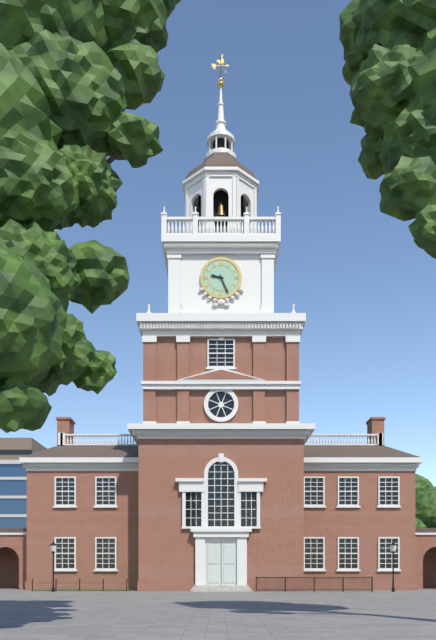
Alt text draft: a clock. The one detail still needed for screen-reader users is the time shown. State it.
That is 9:26
